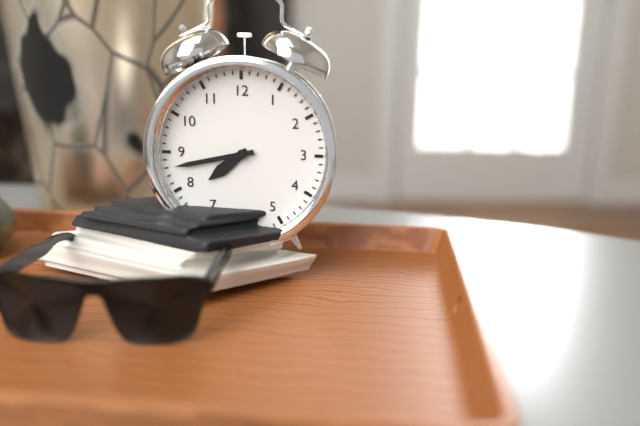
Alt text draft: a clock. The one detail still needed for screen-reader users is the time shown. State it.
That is 7:43
